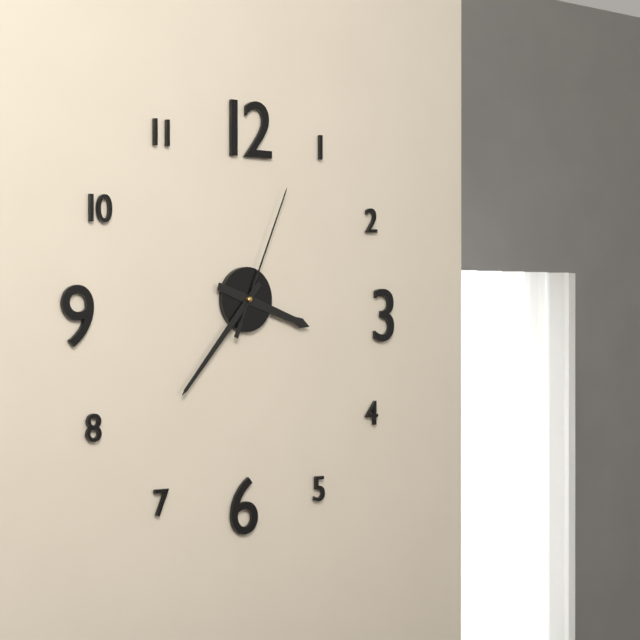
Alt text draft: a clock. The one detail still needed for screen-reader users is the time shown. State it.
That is 3:37:04
